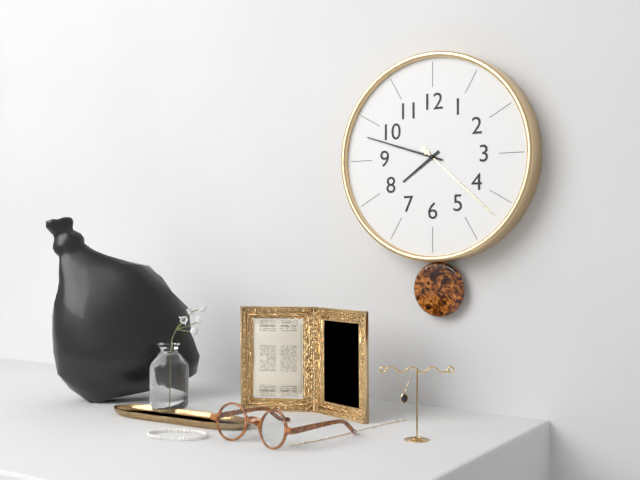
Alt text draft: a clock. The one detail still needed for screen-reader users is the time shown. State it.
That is 7:48:22
